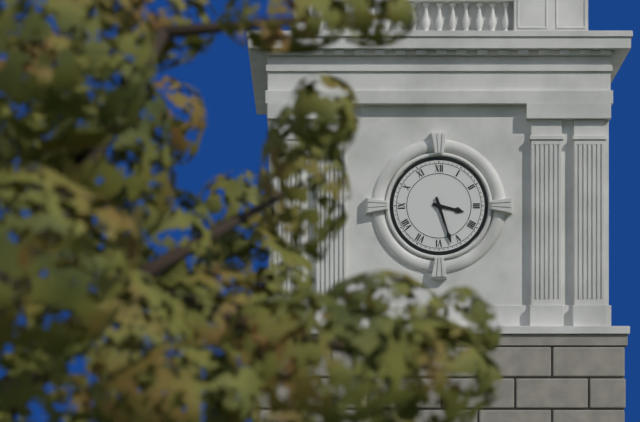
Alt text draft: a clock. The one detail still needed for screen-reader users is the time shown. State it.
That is 3:27
